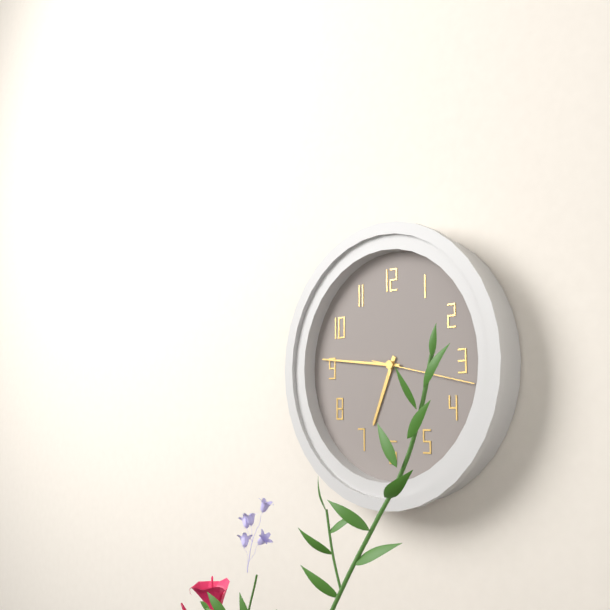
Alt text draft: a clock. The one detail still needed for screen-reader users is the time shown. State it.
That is 6:46:17
